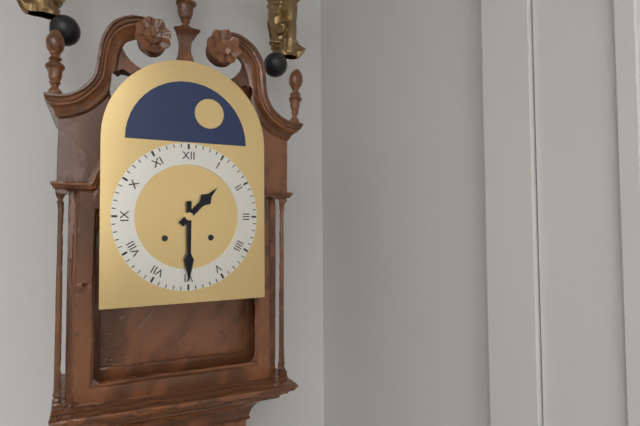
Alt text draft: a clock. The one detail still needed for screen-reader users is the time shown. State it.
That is 1:30
